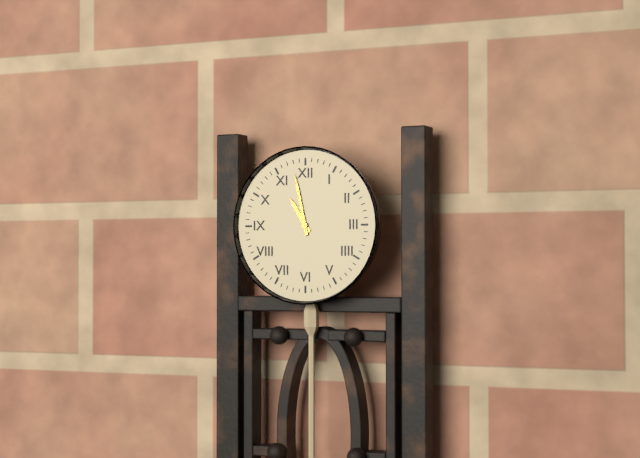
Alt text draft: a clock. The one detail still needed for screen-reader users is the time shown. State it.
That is 10:58
